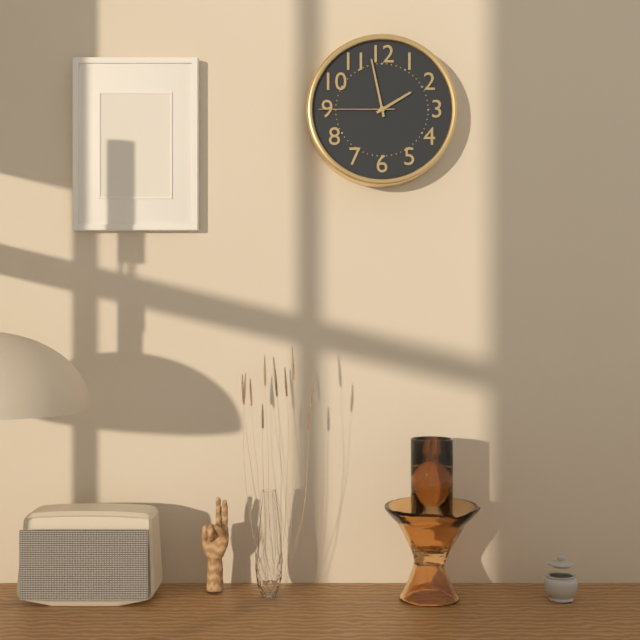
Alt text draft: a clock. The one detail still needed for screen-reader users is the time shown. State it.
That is 1:58:45
